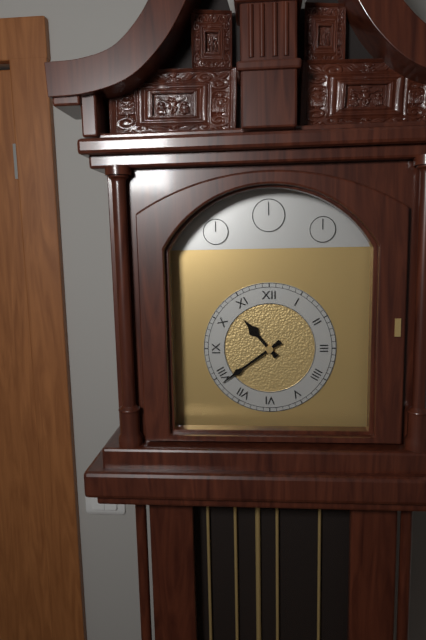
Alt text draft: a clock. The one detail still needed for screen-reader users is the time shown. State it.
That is 10:39
